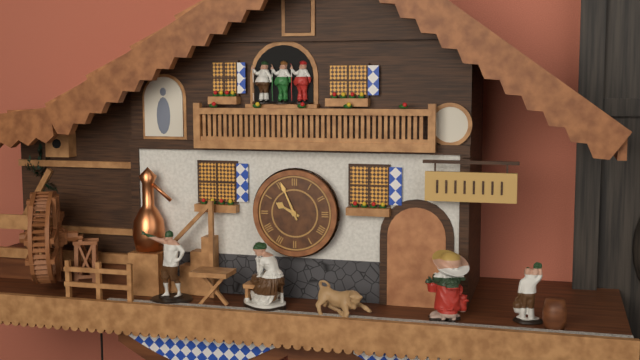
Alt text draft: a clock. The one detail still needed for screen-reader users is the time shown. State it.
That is 9:56
